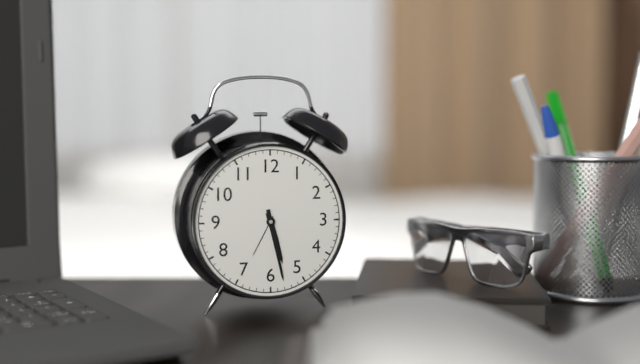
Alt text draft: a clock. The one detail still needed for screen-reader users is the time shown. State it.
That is 5:28
